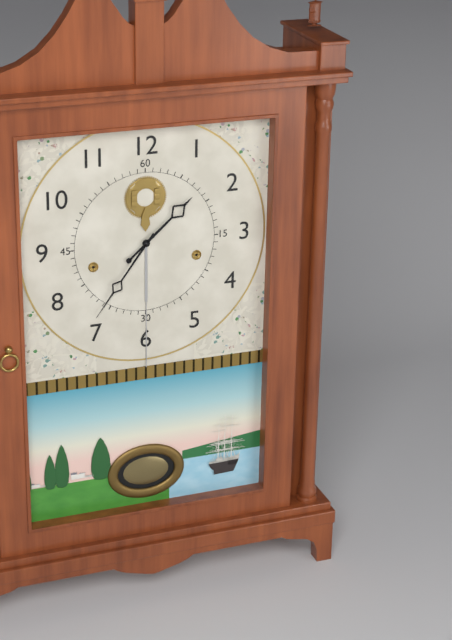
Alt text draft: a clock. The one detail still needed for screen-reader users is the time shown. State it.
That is 1:36
